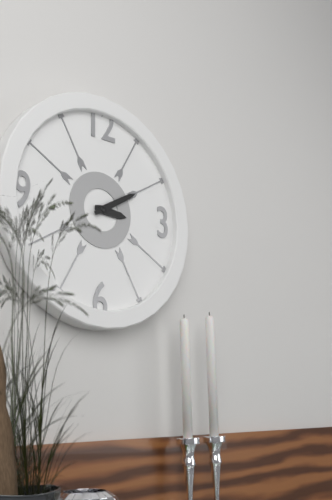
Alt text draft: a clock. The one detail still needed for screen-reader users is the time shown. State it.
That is 3:10
